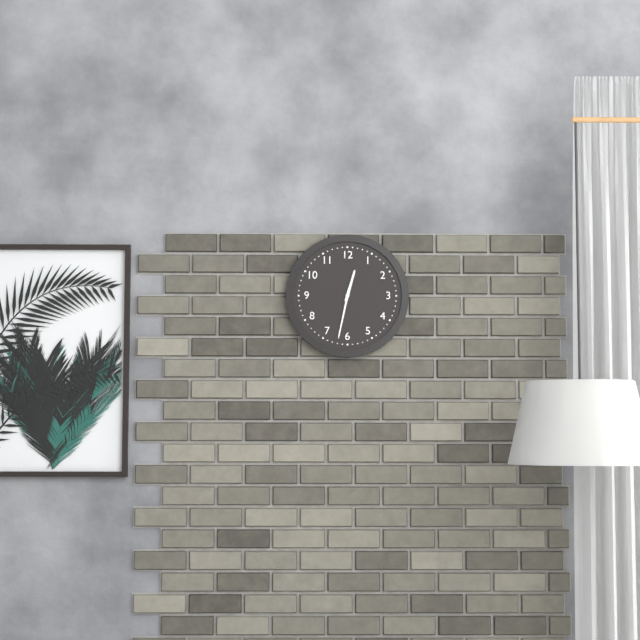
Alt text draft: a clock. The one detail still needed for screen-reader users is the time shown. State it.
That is 12:32
